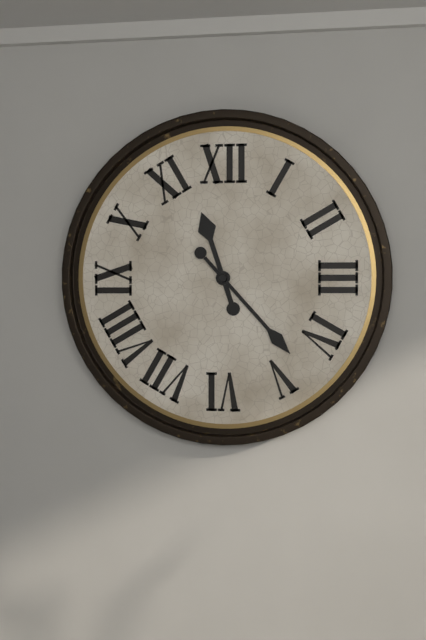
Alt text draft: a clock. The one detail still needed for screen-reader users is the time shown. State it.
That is 11:23
